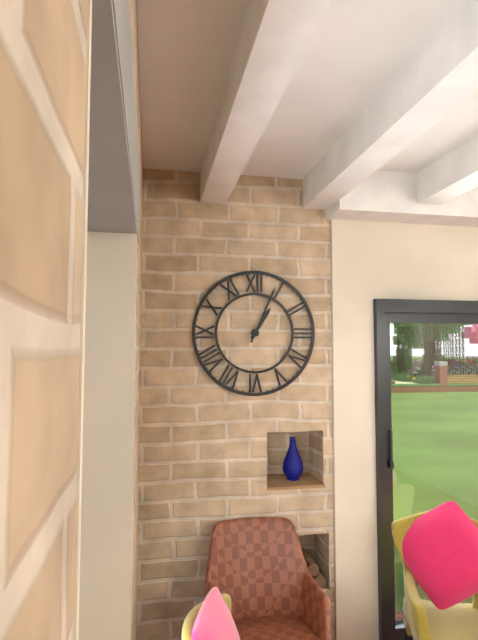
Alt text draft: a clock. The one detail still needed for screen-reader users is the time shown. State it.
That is 1:04
